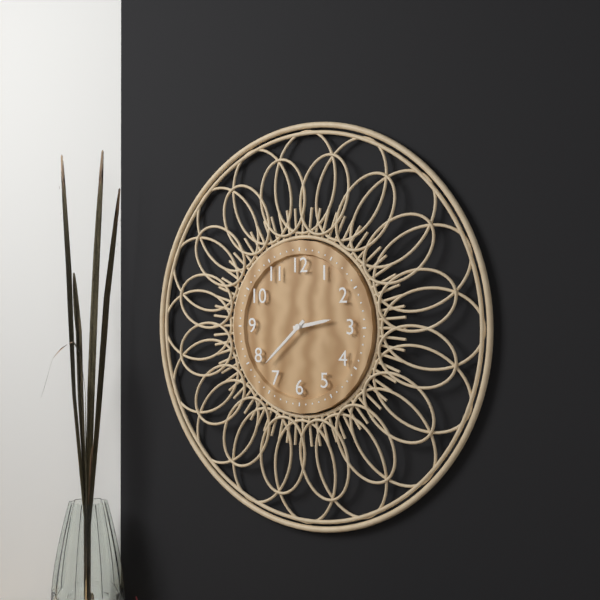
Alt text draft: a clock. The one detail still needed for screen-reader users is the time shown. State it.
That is 2:38
